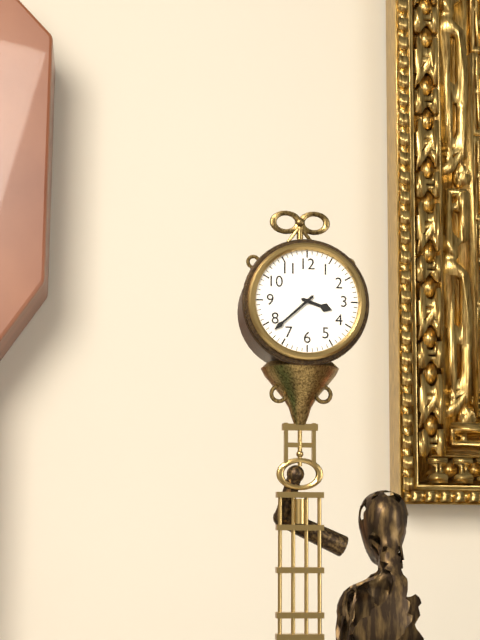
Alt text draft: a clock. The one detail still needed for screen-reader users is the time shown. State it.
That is 3:38
